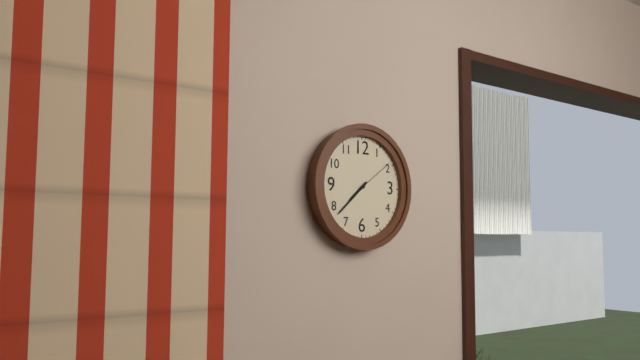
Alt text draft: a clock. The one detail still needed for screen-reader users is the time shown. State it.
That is 7:38
